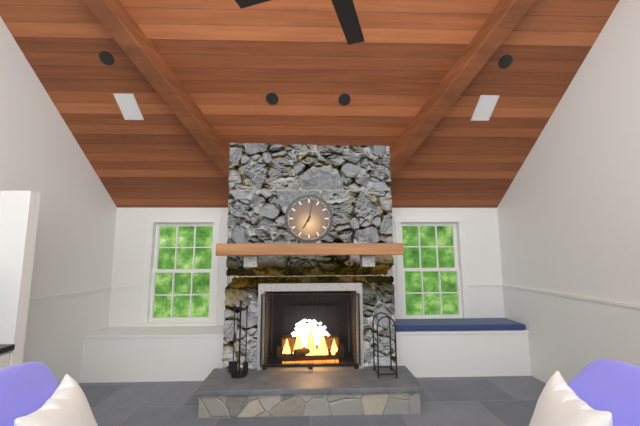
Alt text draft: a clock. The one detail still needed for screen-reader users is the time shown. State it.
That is 7:02
